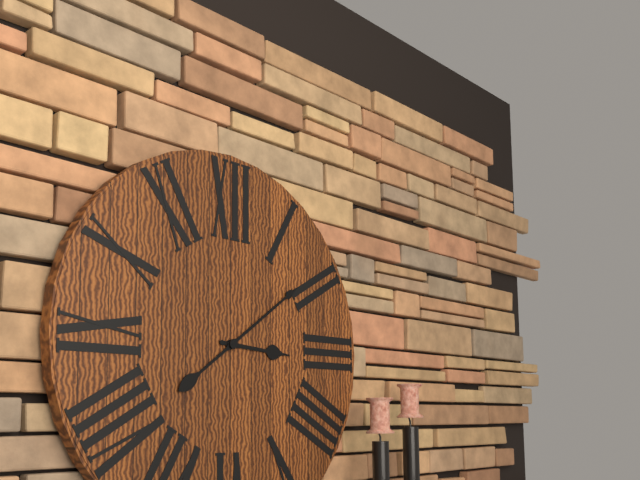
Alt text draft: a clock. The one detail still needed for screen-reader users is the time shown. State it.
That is 3:09
